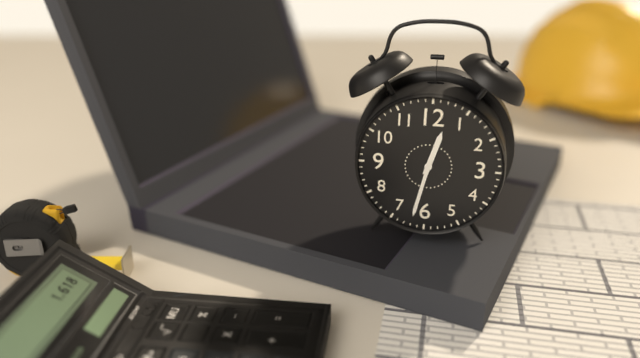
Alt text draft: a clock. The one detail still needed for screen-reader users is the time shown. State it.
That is 12:32
